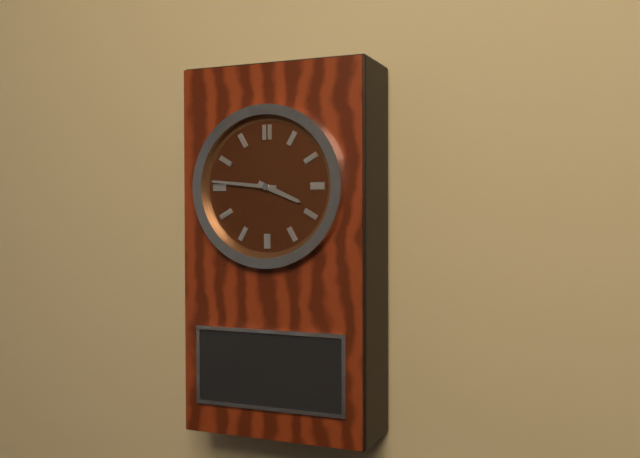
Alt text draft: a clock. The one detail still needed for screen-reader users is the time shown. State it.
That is 3:46
